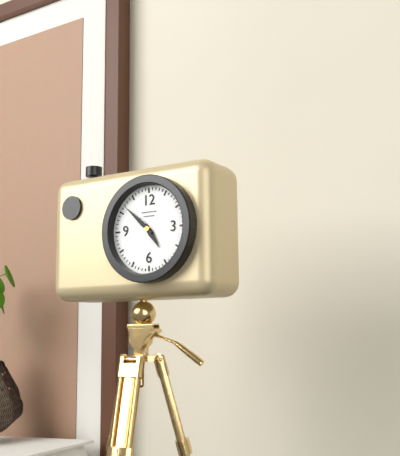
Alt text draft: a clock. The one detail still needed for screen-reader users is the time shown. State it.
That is 4:52
